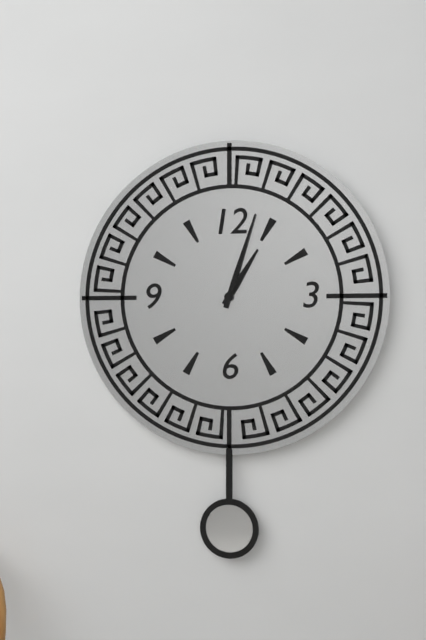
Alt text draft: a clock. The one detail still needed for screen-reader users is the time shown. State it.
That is 1:03
